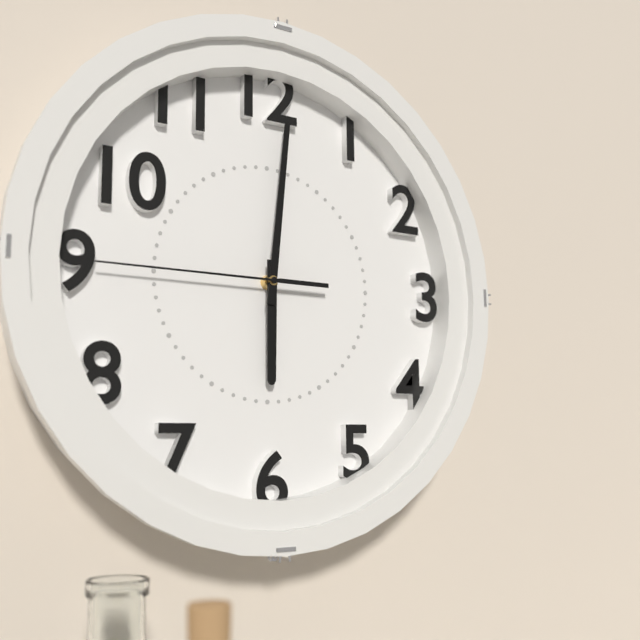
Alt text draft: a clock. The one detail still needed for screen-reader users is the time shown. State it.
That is 6:01:45
